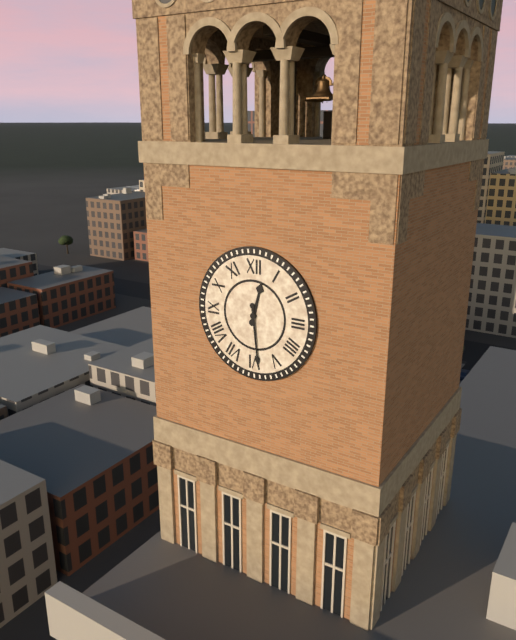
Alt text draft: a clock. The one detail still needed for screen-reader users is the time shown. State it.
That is 12:29
